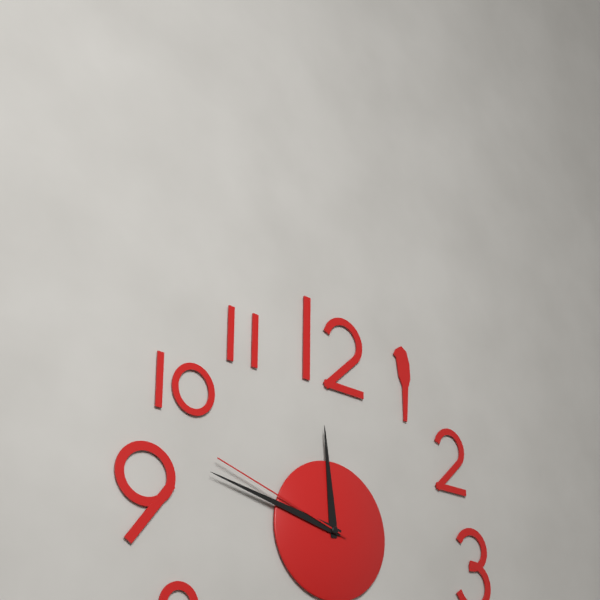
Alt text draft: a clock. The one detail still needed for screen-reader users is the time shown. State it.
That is 11:47:48
